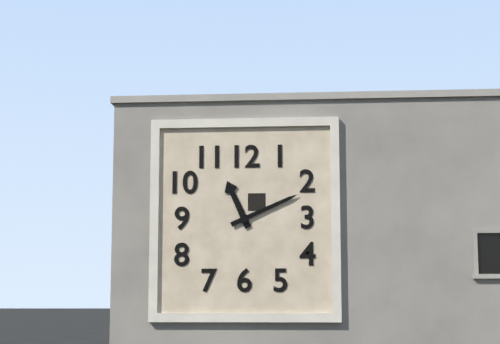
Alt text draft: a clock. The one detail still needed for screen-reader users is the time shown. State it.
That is 11:11
